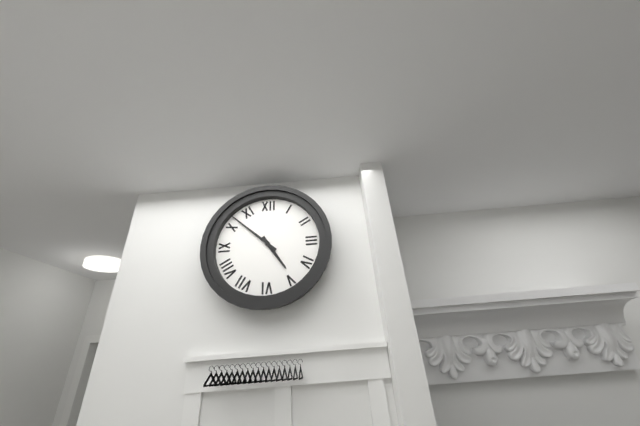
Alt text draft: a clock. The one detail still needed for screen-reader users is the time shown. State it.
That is 4:52
